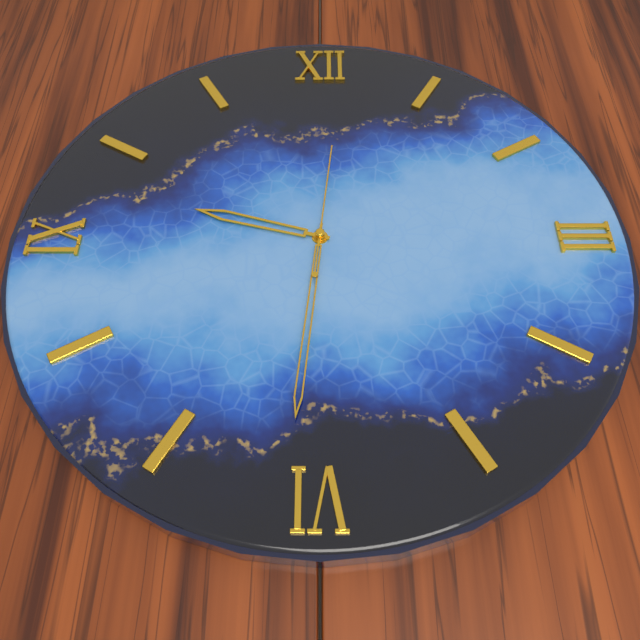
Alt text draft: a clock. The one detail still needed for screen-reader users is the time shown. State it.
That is 9:31:01
